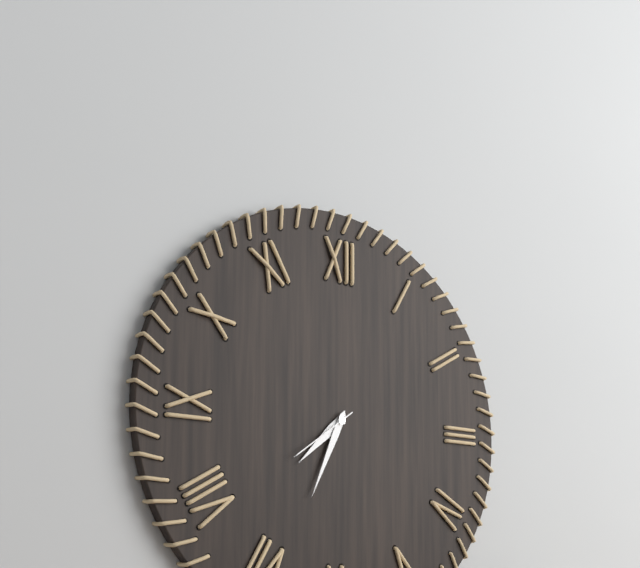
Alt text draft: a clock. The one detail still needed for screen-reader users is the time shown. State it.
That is 7:34:39
